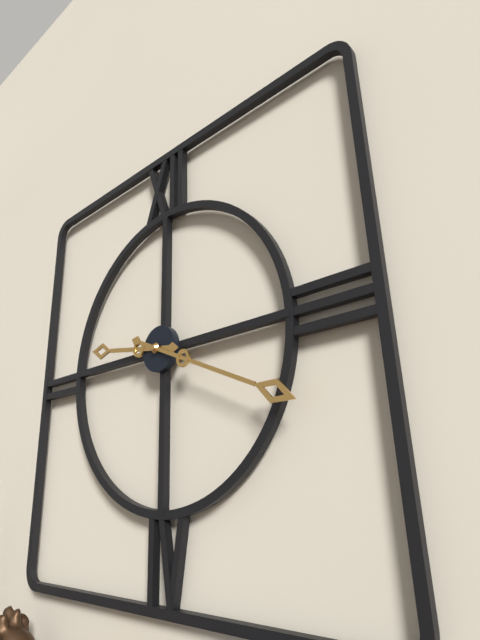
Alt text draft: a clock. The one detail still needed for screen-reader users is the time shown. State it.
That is 9:19
